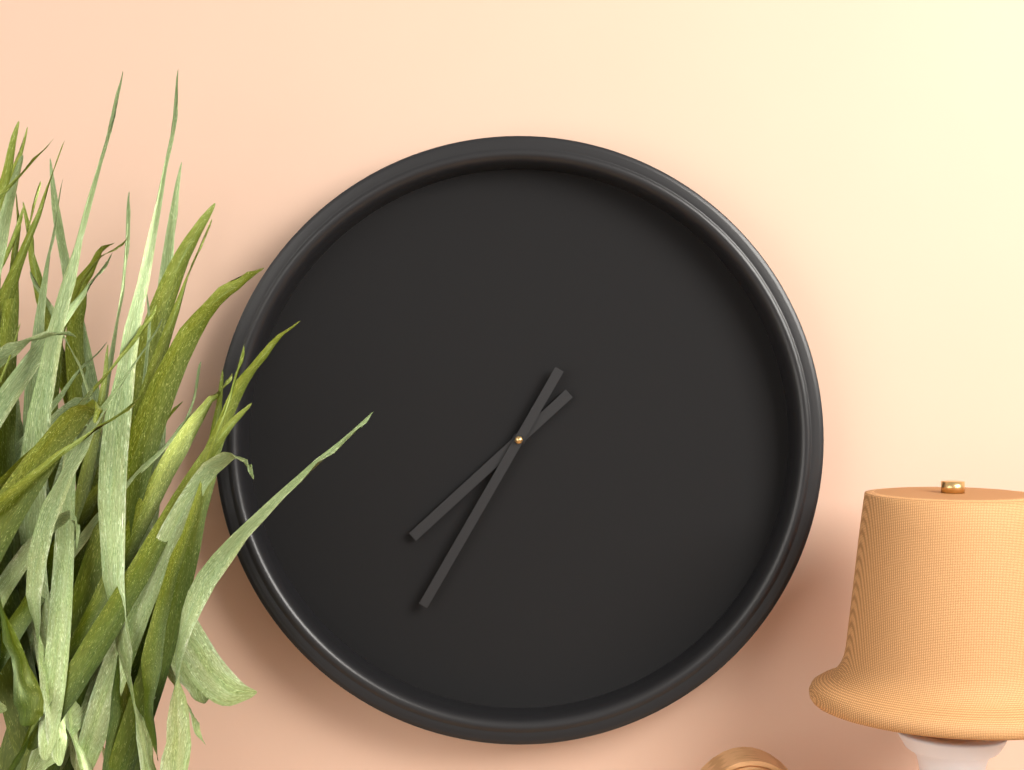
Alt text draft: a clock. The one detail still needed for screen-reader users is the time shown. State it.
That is 7:35
